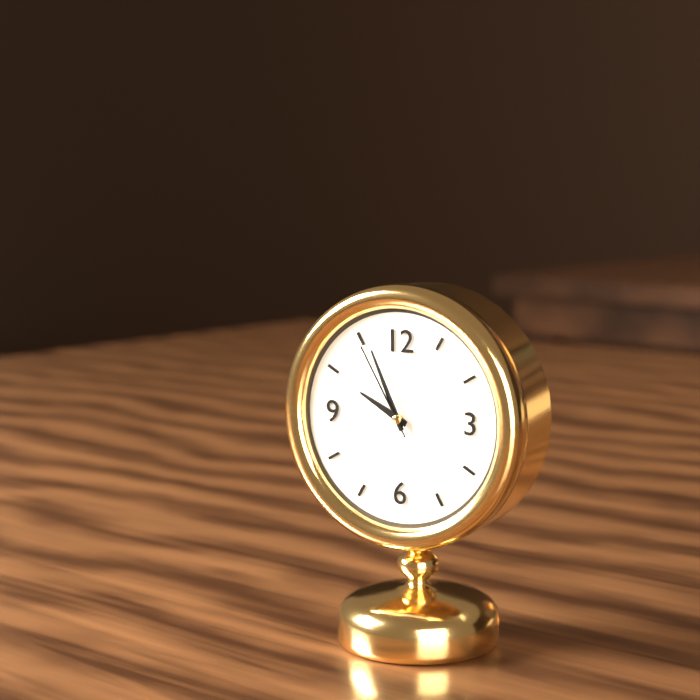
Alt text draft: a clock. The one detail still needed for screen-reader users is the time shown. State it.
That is 9:56:55
